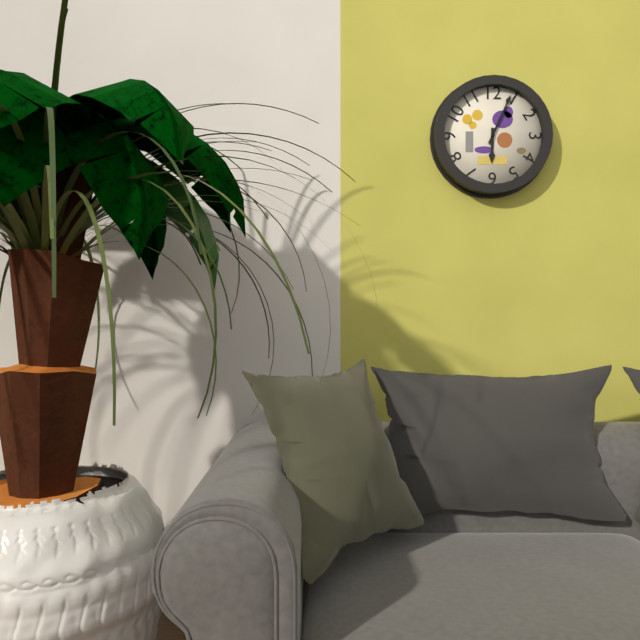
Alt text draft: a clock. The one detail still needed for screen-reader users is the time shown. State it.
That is 6:04
